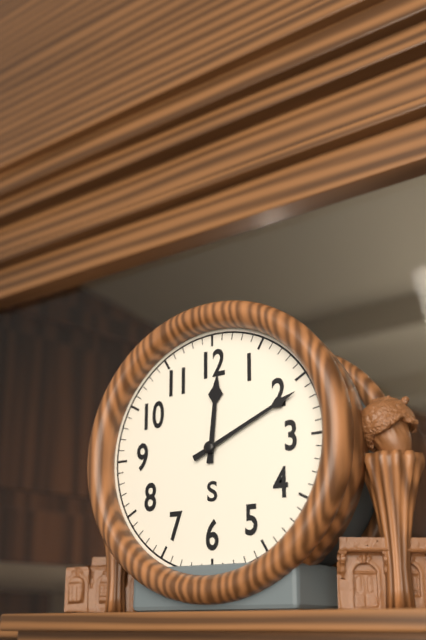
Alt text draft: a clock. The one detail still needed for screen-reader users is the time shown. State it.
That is 12:11
